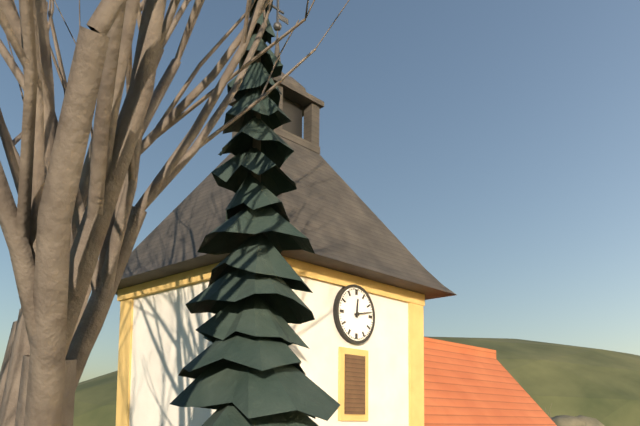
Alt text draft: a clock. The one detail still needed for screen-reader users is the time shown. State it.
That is 12:13
